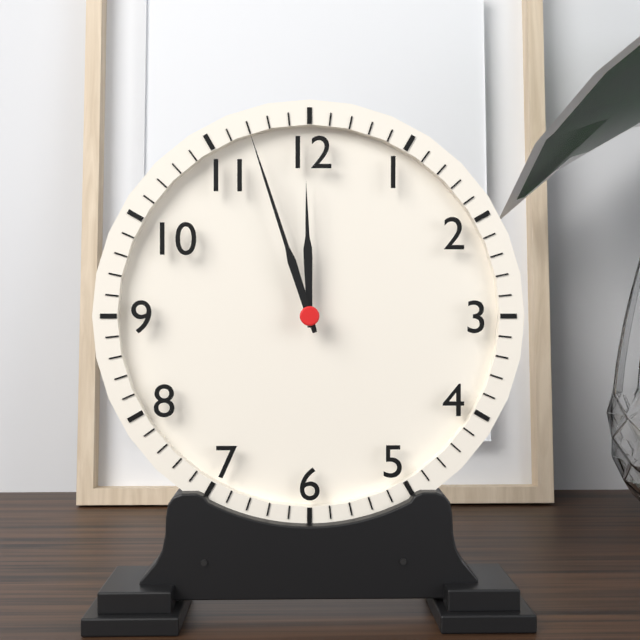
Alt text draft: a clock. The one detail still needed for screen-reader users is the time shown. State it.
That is 11:57
